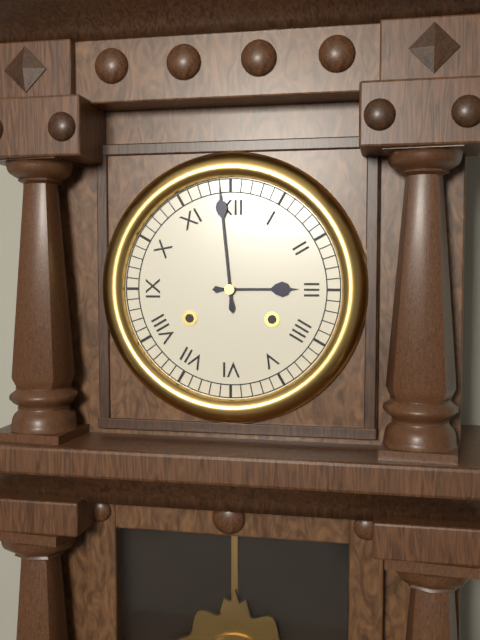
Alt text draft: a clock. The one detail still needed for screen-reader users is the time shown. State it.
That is 2:59
